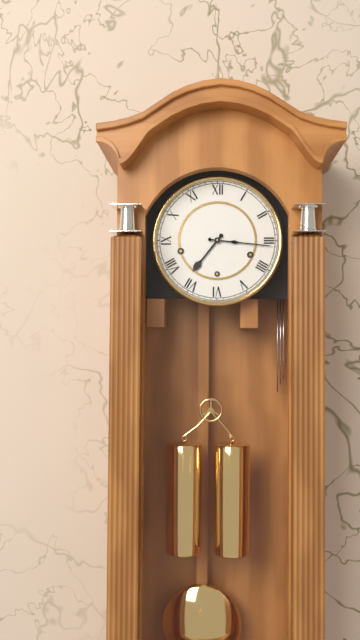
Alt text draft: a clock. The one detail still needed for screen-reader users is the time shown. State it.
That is 7:16
